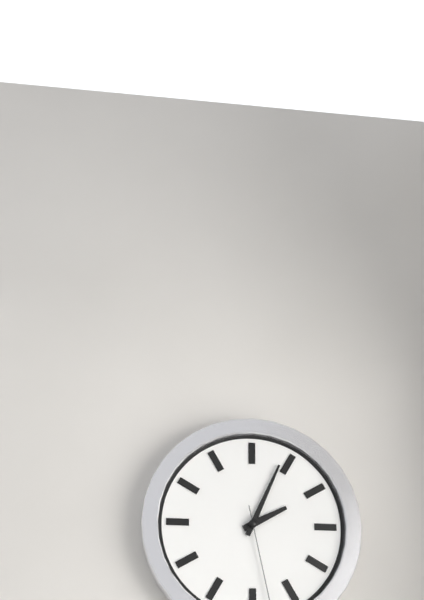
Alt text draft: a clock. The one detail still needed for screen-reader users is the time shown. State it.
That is 2:04
